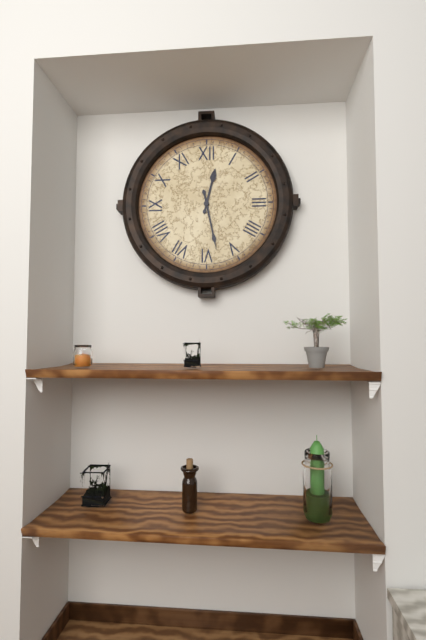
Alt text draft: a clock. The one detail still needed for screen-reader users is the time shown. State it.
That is 12:28
